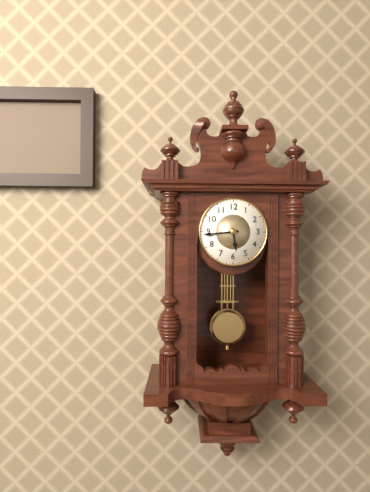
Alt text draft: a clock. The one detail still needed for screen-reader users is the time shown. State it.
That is 5:44
